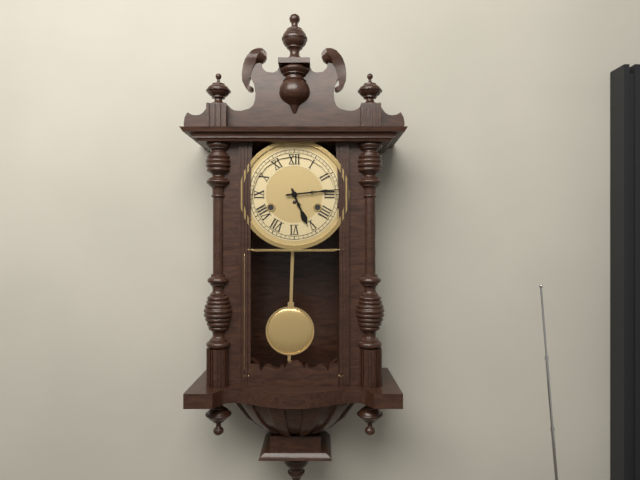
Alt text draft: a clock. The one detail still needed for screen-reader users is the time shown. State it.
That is 5:14
